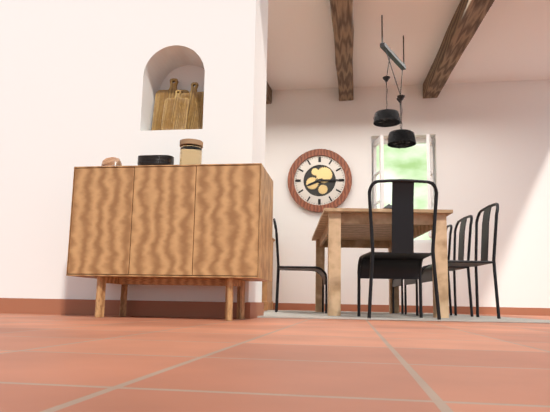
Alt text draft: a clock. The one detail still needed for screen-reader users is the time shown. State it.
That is 8:15
